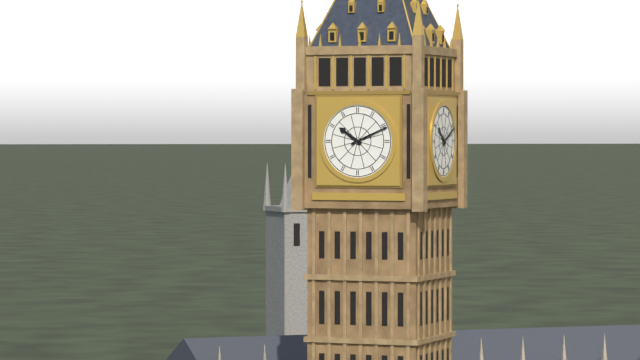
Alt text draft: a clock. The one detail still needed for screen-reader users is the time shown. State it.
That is 10:11
